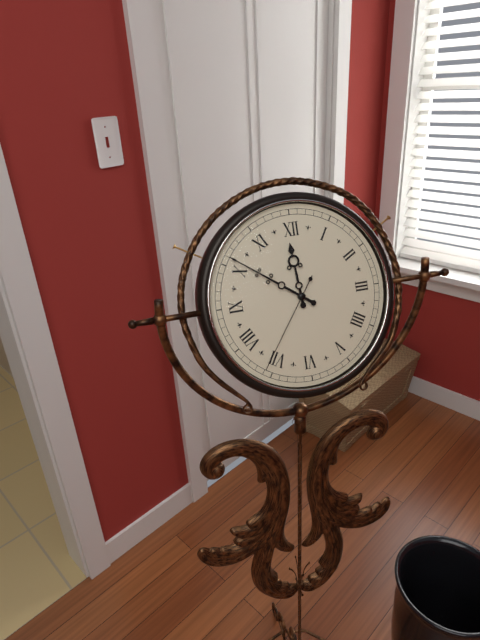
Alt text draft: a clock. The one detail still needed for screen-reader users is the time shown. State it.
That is 11:51:36
